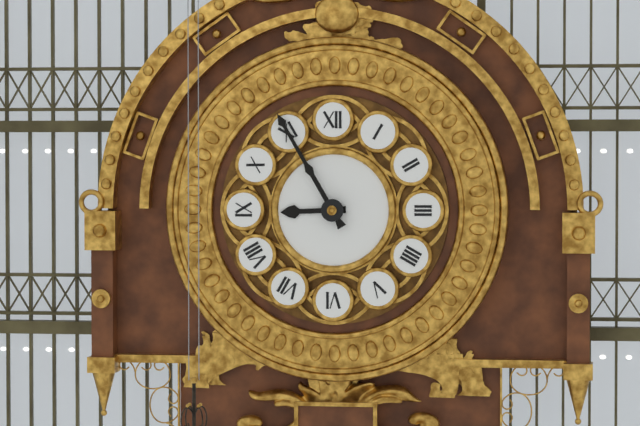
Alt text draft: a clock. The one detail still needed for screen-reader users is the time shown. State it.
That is 8:55
